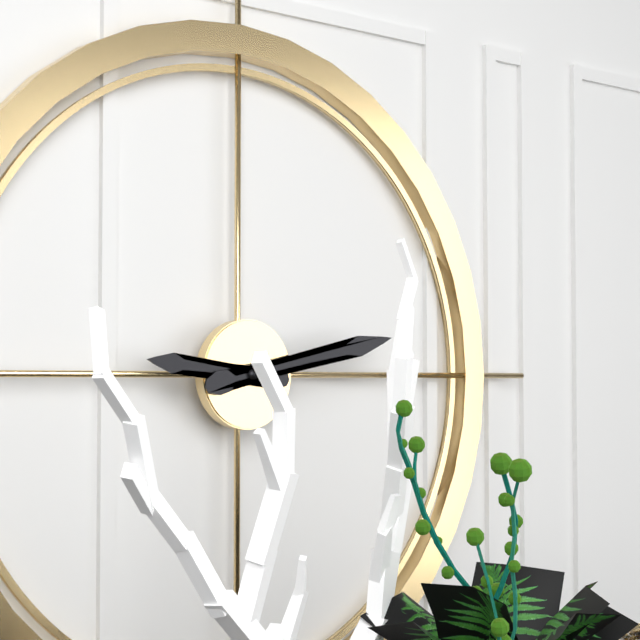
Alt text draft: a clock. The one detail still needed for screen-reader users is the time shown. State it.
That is 9:13
